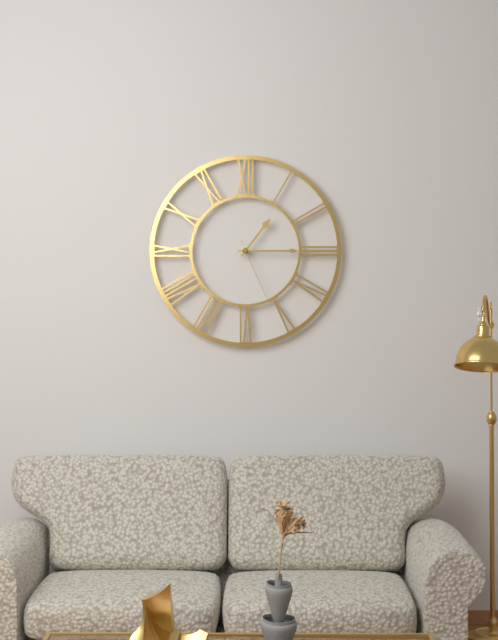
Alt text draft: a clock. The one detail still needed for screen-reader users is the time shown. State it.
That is 1:15:26
